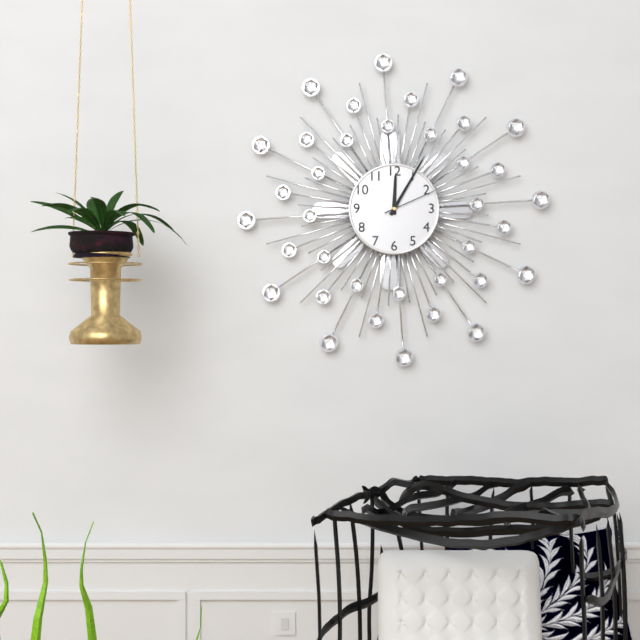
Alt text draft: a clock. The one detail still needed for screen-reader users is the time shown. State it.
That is 12:05:11
